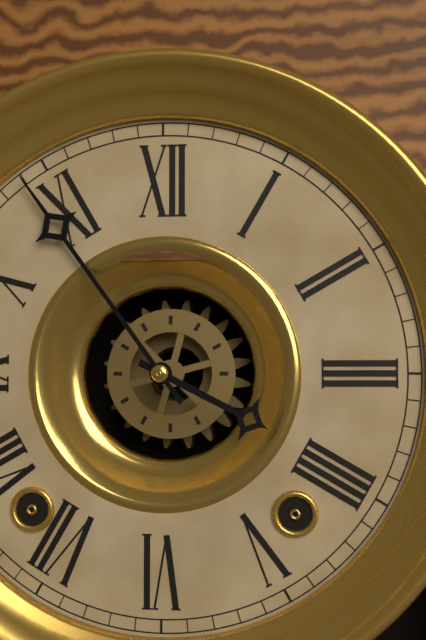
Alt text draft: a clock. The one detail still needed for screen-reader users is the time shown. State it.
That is 3:54
